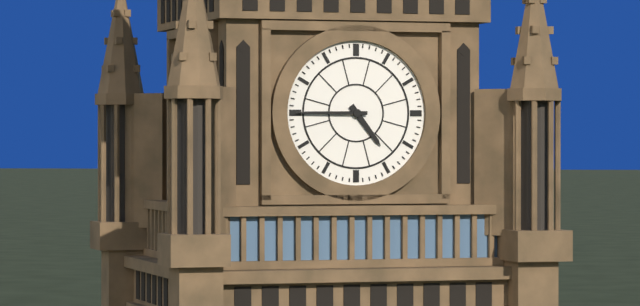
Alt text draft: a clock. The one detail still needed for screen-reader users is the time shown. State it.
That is 4:45
